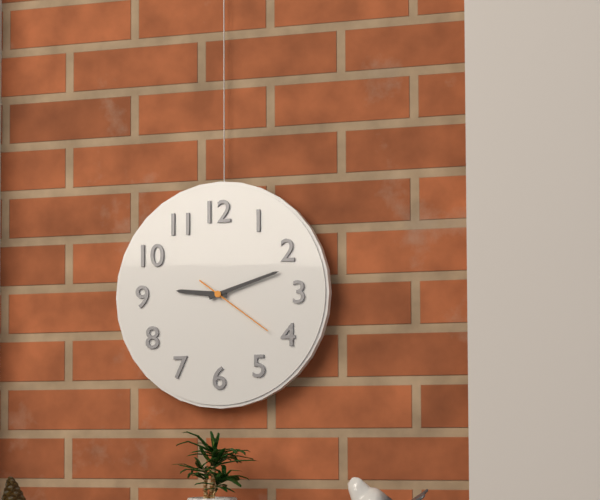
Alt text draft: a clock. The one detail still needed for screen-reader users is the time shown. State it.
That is 9:12:21
